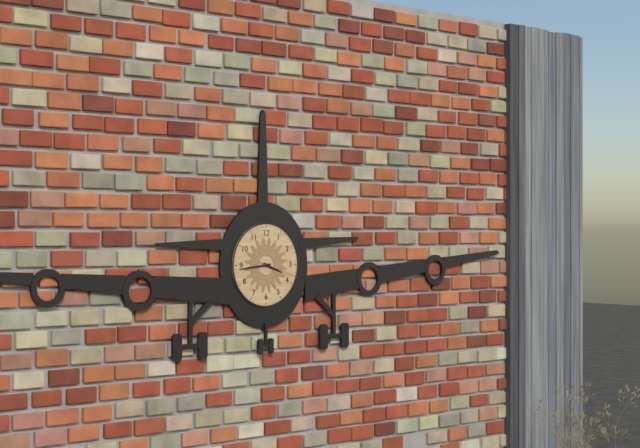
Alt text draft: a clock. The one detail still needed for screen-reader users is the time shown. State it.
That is 3:44
